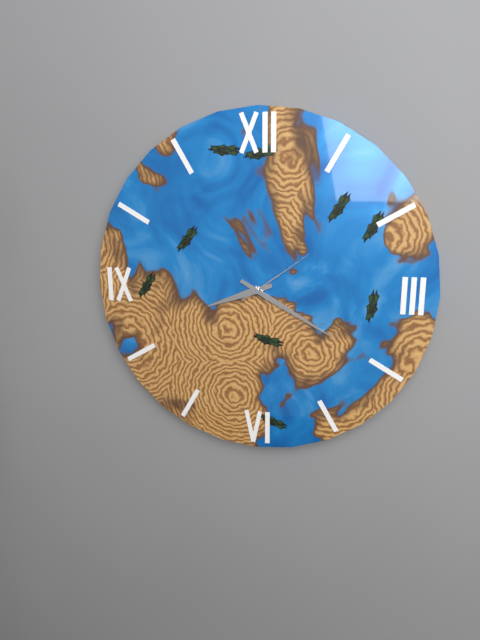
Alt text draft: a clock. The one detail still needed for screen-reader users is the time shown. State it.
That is 8:20:09
